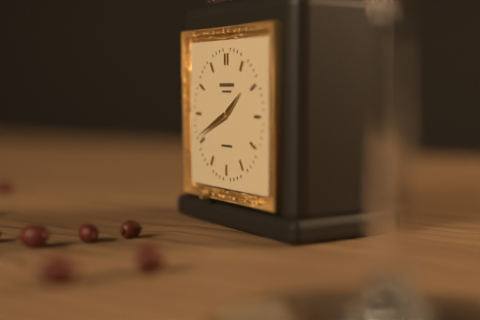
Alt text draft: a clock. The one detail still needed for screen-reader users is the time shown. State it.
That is 1:41
